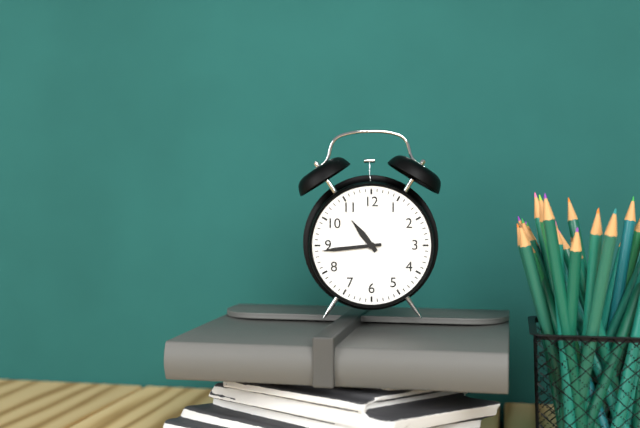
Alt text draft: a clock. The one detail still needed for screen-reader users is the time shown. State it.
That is 10:44
